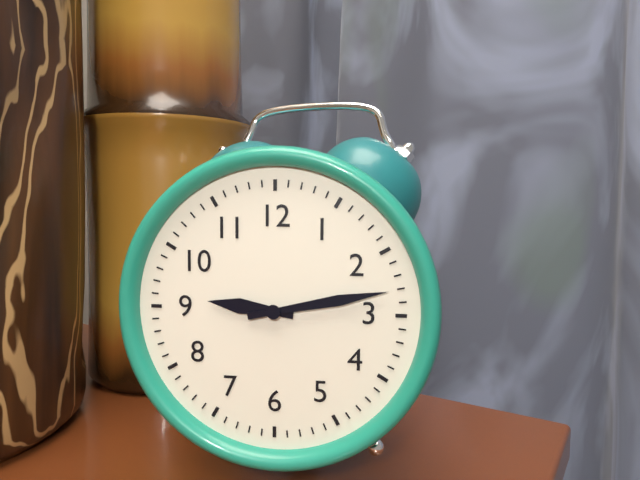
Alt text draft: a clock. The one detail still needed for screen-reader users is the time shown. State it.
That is 9:13
